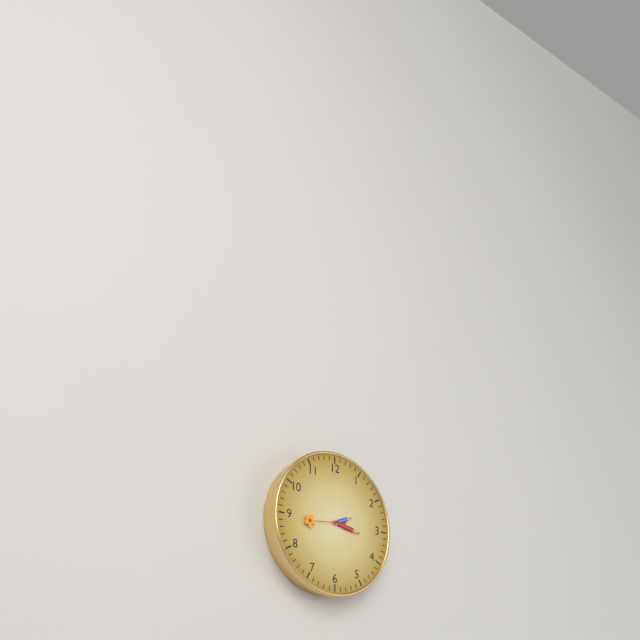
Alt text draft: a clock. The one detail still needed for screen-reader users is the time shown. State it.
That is 2:17
